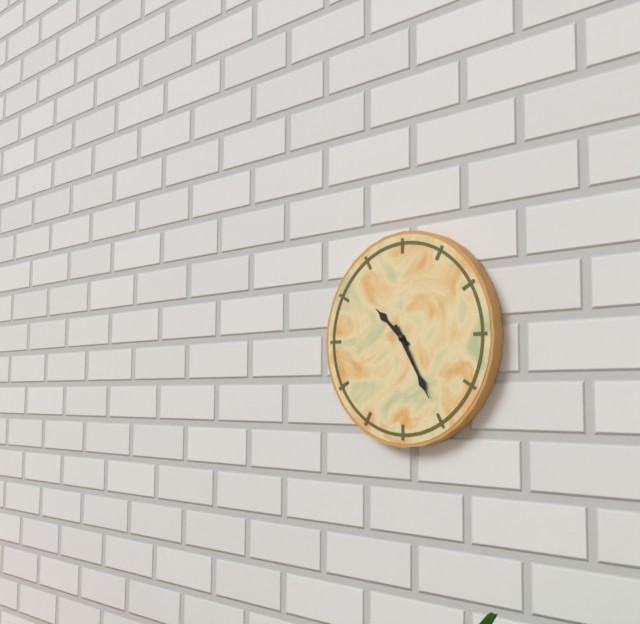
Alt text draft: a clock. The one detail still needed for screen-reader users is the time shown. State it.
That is 10:25
